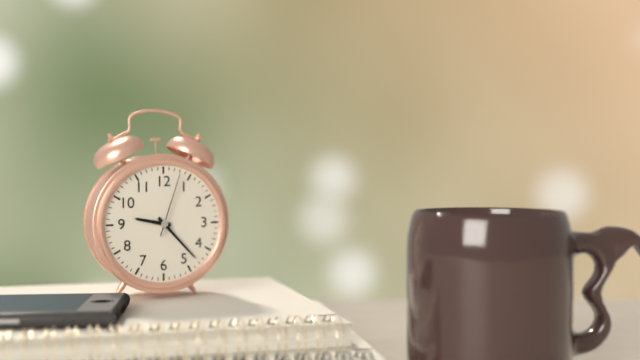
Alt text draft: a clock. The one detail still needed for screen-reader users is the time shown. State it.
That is 9:23:03
